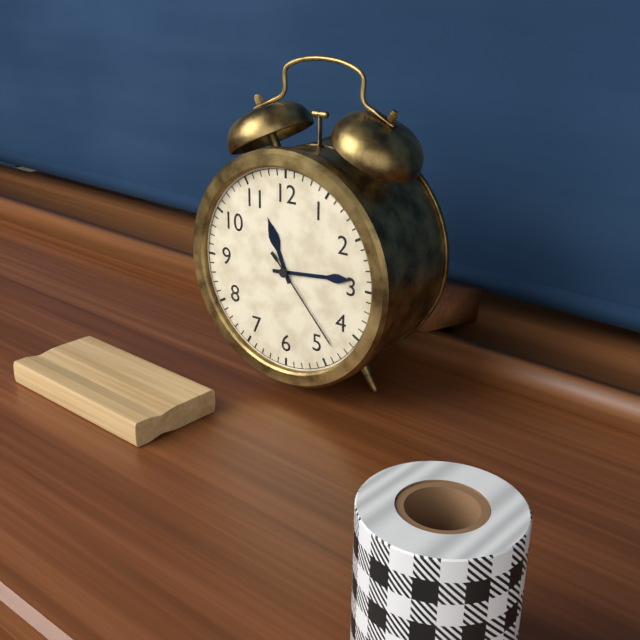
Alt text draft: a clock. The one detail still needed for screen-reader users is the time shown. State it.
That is 11:14:23
